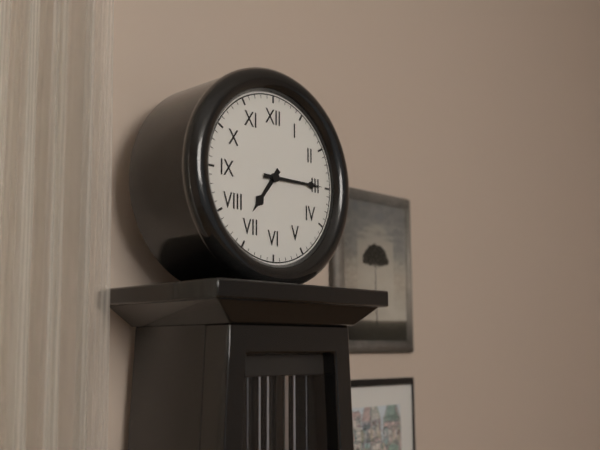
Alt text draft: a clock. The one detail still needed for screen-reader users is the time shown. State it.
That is 7:15
